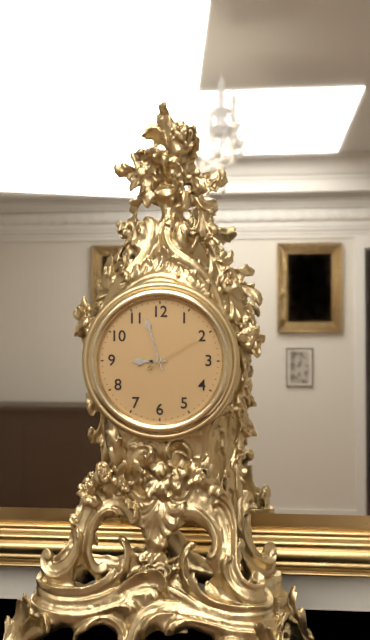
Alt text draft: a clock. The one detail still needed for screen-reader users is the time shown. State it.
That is 8:57:10
